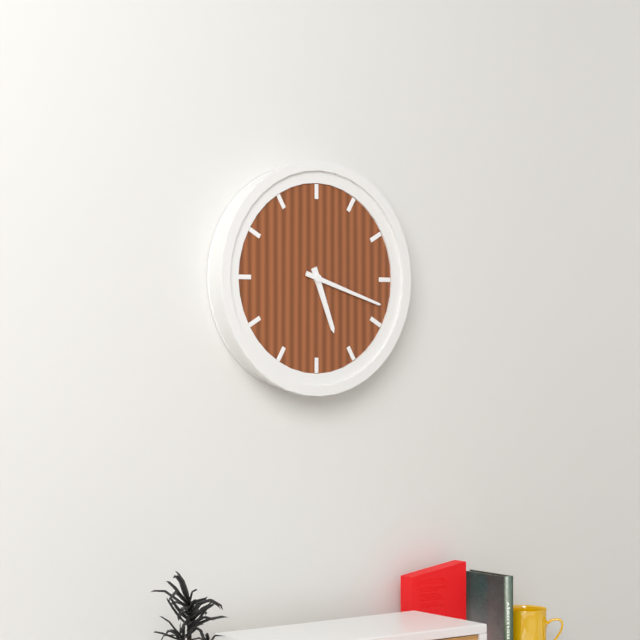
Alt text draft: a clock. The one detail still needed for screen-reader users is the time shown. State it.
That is 5:18
